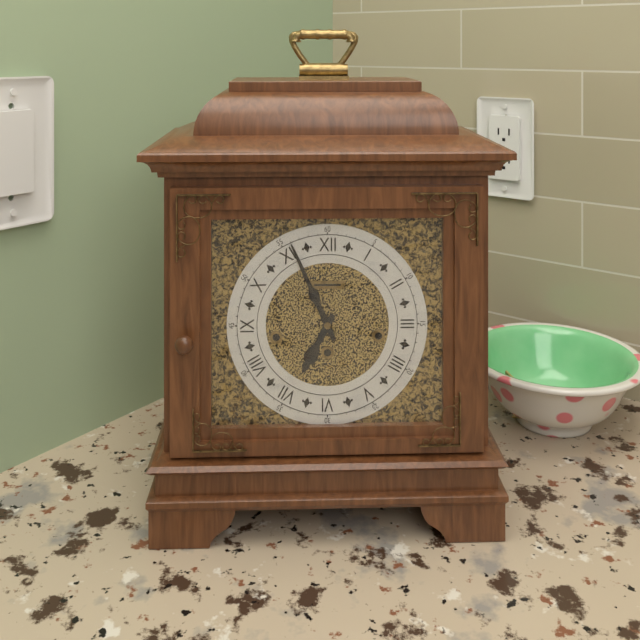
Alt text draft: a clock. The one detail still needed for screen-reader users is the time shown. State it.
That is 6:56
